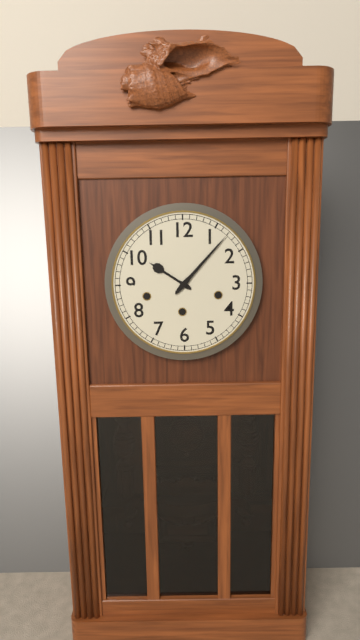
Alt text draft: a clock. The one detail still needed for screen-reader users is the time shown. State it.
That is 10:07
